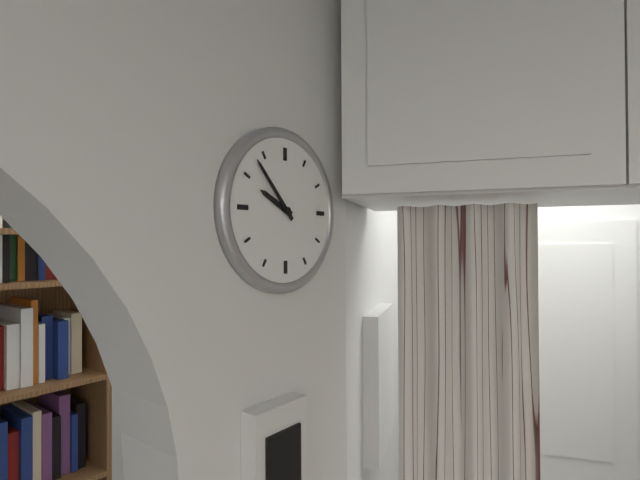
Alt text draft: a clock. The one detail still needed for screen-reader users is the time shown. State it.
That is 9:53
